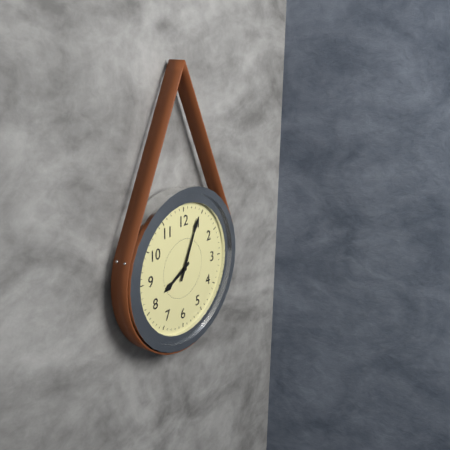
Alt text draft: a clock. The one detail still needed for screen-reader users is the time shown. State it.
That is 8:04
